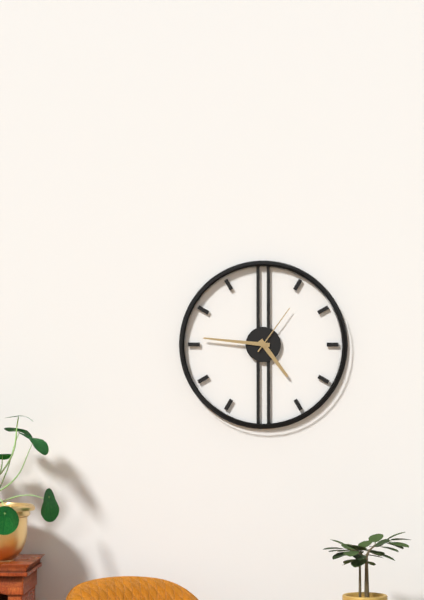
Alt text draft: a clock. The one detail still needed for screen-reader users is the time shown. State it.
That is 4:46:06
